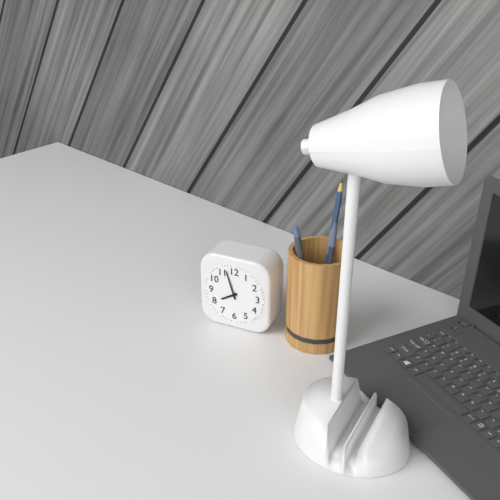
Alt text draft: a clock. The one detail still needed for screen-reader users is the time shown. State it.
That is 7:57
